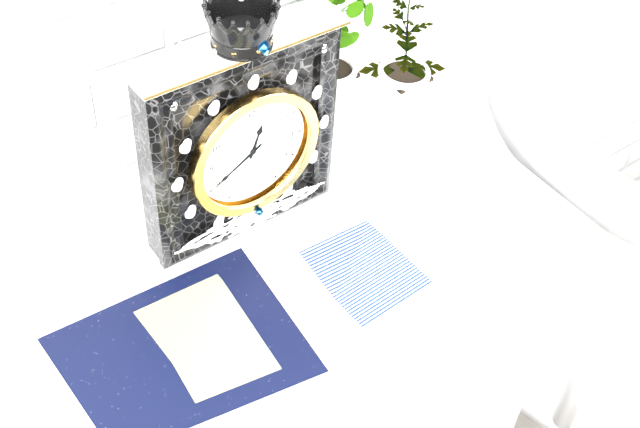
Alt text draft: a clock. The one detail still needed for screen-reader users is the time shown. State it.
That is 12:40
